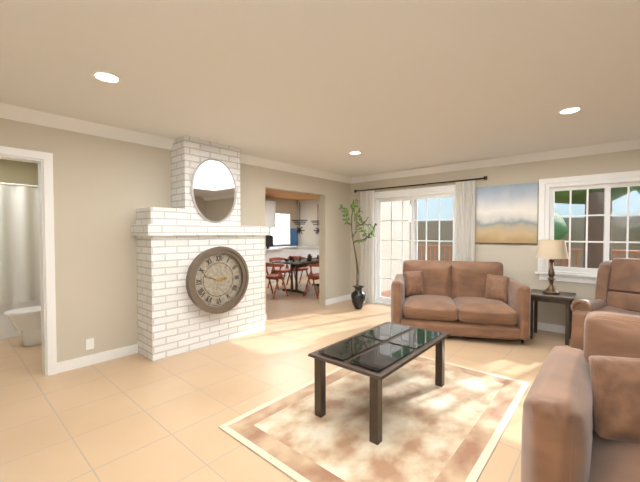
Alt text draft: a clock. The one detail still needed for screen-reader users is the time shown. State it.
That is 2:48
